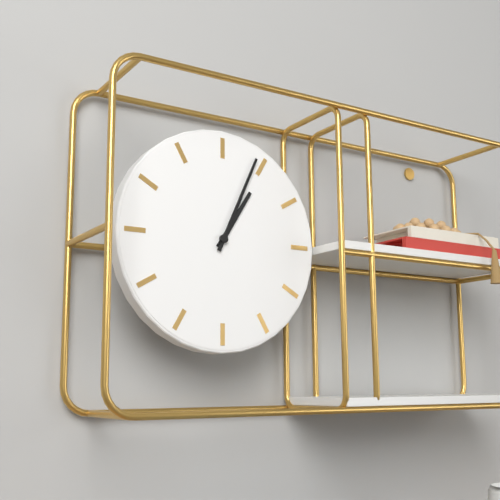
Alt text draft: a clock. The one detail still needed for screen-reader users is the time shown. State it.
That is 1:04
